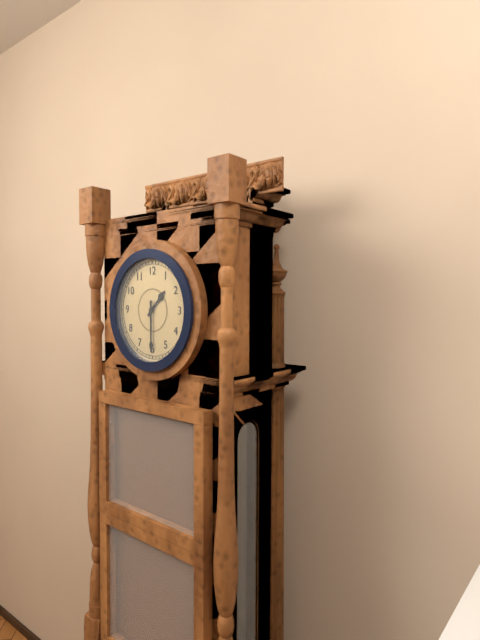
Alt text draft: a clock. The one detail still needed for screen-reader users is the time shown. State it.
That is 1:30
